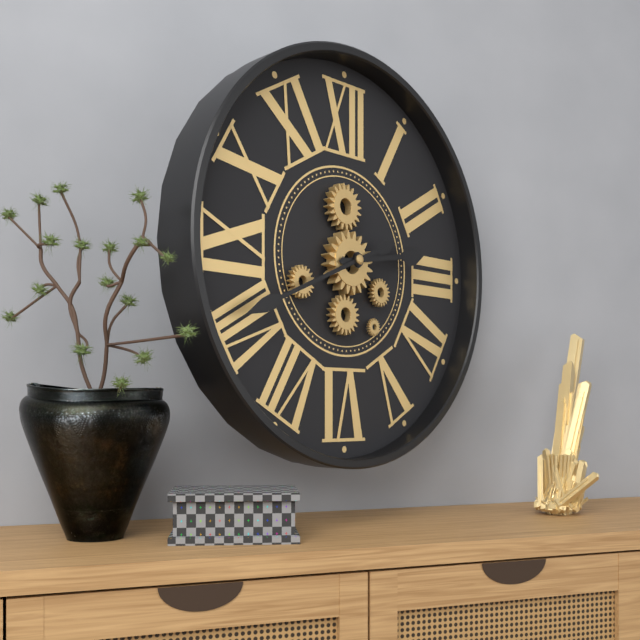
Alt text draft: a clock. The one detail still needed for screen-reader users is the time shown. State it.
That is 2:41
